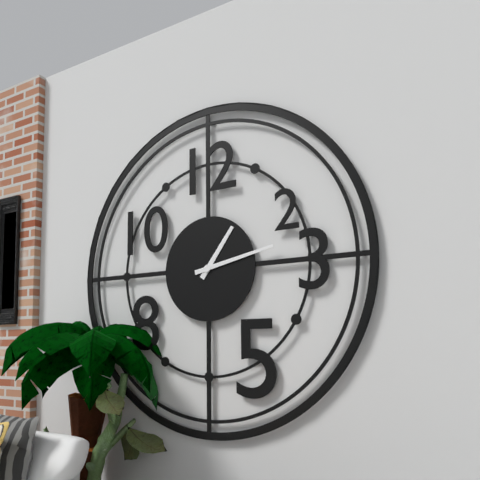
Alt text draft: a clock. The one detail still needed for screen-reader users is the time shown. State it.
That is 1:13
